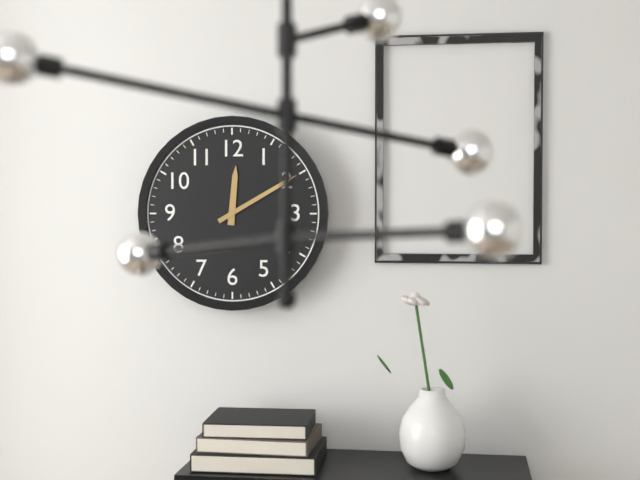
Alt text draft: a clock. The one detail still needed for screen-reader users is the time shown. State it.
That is 12:10
